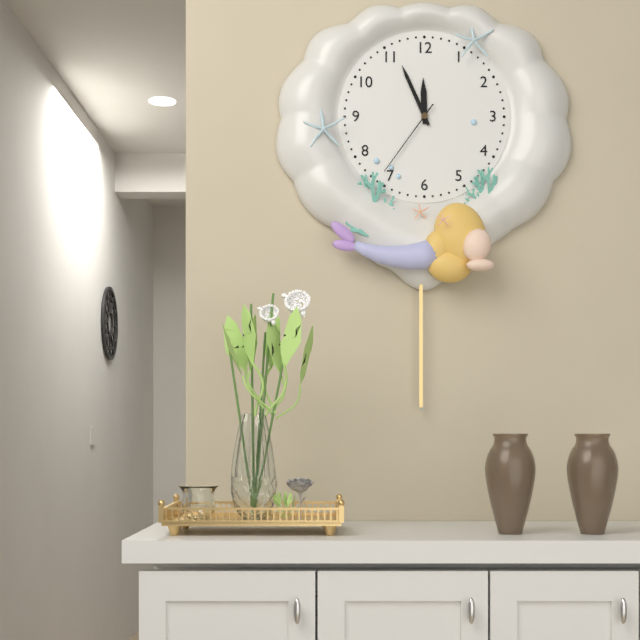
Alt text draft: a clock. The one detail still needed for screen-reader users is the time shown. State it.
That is 11:56:36
